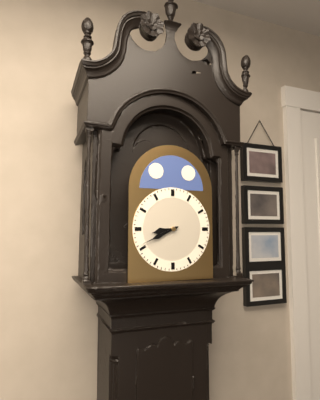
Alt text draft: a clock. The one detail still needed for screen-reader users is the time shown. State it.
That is 8:41
